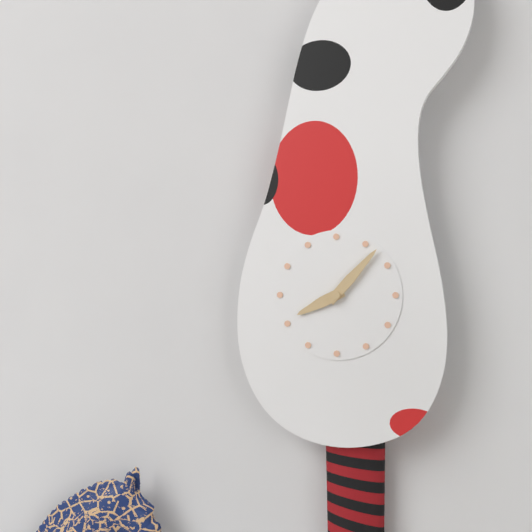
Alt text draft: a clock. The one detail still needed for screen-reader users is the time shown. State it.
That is 8:07
